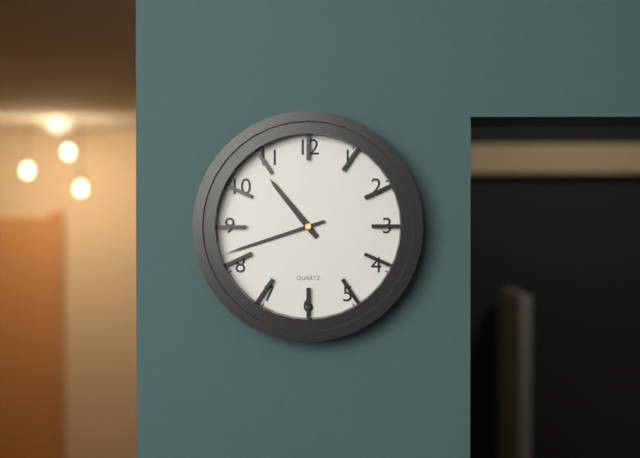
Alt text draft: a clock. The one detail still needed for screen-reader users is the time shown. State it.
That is 10:42
